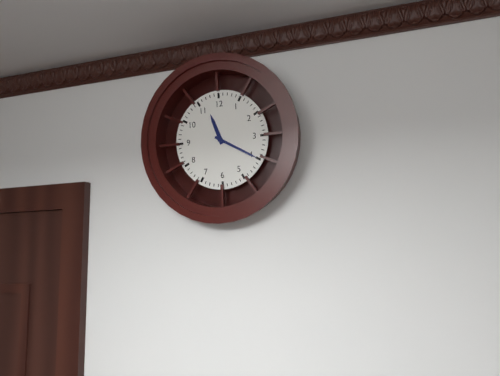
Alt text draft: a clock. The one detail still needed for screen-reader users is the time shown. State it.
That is 11:20
